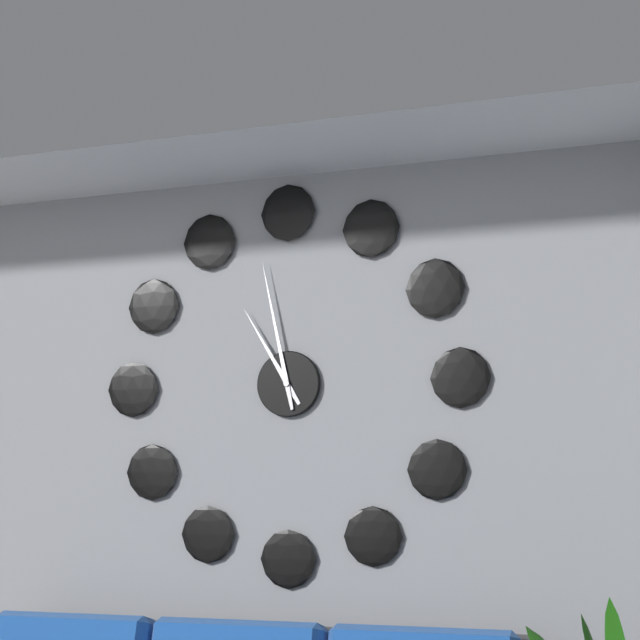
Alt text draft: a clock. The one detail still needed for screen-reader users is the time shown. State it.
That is 10:58
